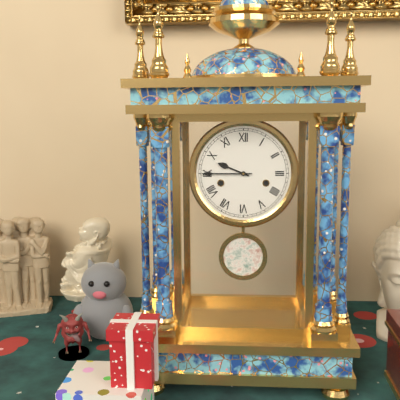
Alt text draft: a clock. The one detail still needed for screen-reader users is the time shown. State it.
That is 9:45
